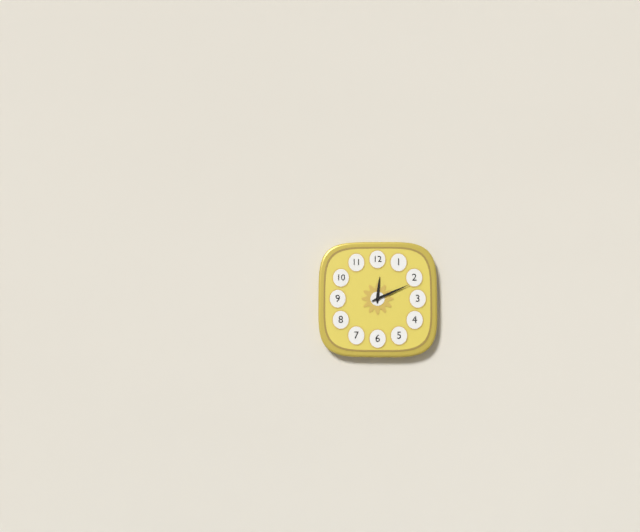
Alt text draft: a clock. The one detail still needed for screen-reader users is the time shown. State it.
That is 12:11
